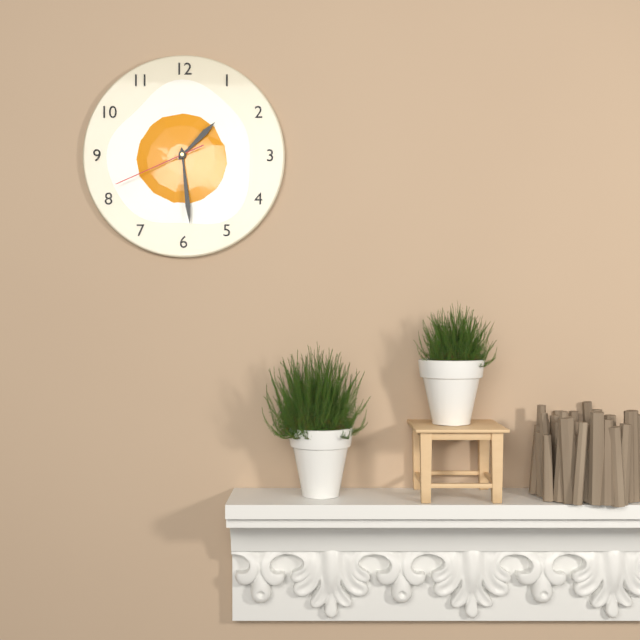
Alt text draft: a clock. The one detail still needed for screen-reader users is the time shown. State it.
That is 1:29:41
